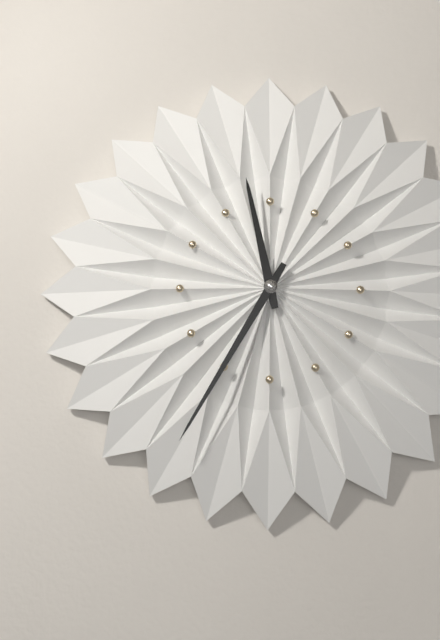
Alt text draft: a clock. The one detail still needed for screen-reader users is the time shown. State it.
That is 11:35
